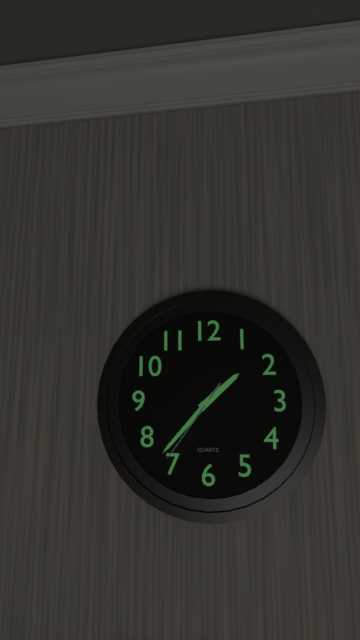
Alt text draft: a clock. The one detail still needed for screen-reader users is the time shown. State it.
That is 1:37:36
